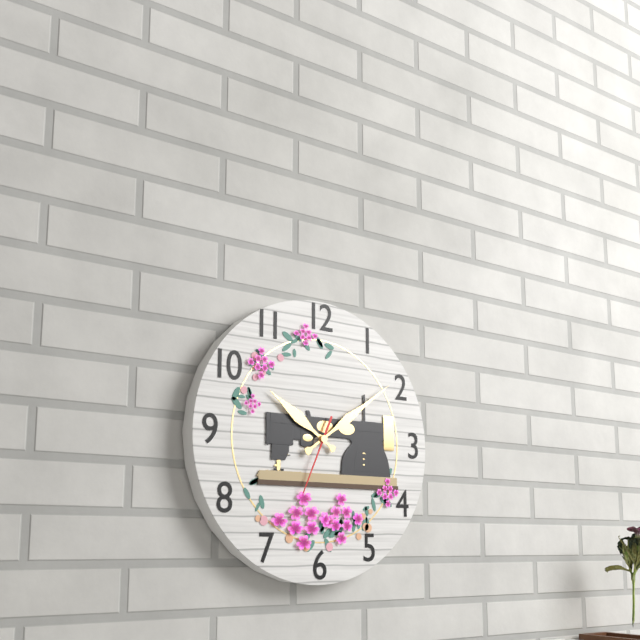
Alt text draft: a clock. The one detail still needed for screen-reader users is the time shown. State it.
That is 10:09:34
